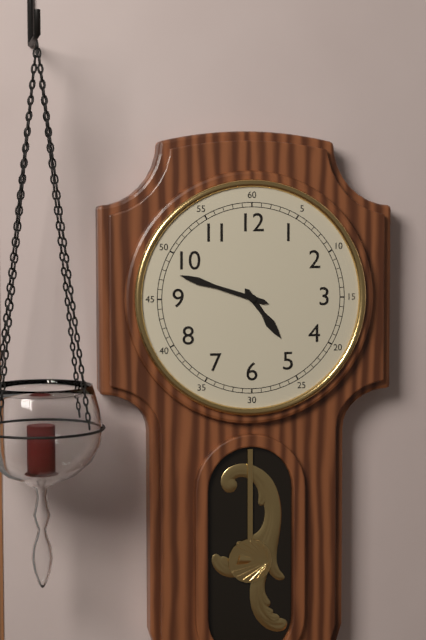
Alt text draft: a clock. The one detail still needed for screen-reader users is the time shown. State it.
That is 4:48
